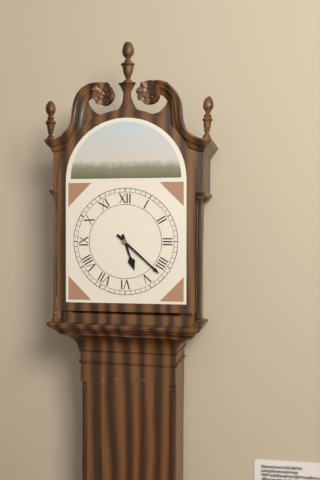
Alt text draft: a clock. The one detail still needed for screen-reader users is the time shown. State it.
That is 5:22
